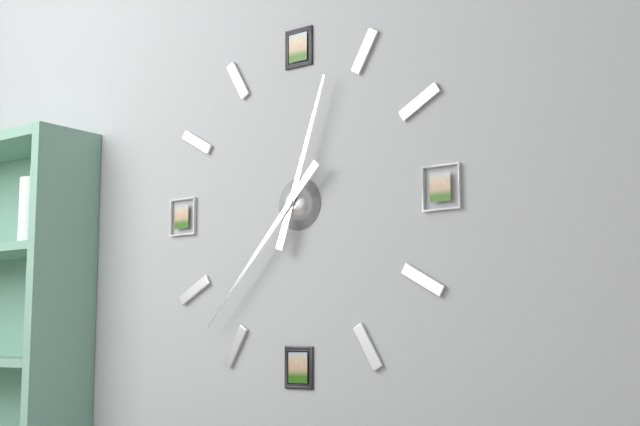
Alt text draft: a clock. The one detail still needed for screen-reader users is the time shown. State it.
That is 12:37
